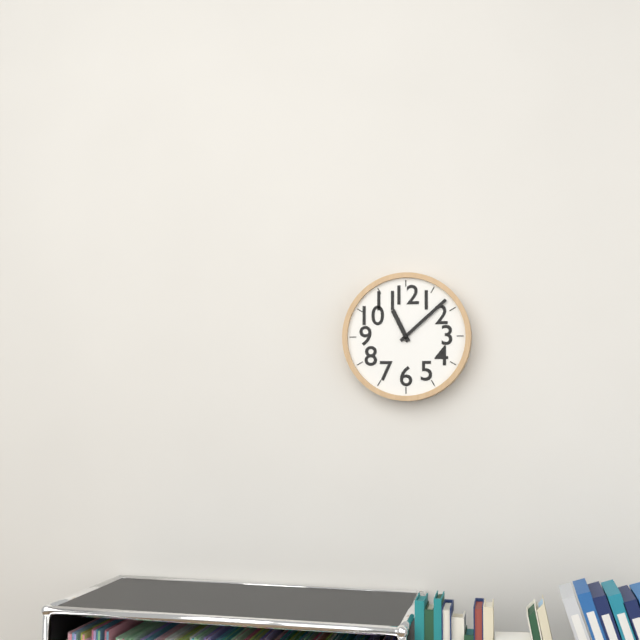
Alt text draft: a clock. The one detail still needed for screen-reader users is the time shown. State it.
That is 11:08
